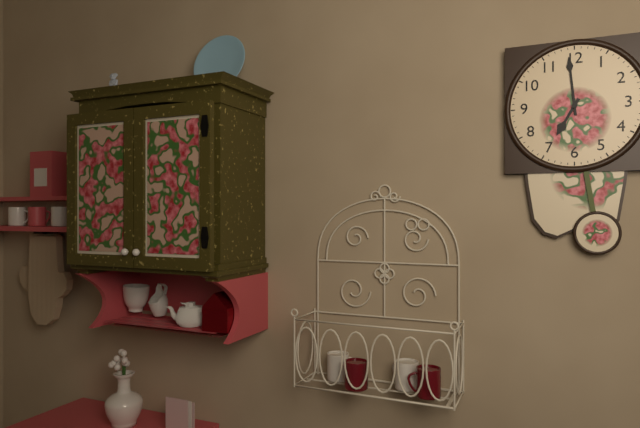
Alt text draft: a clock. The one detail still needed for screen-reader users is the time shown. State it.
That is 6:59
